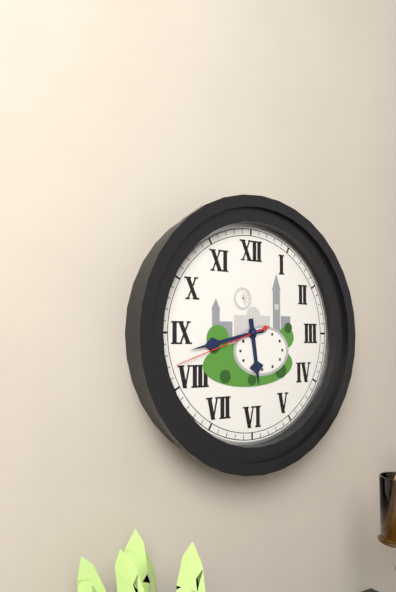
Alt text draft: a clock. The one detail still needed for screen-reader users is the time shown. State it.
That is 5:43:42
